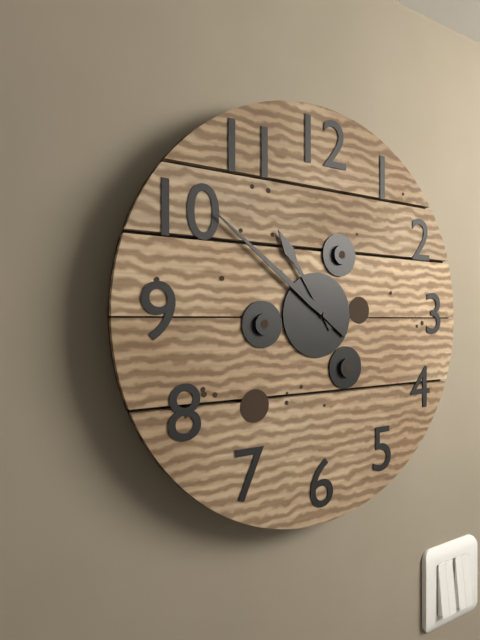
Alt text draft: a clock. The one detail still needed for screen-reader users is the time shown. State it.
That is 10:51
